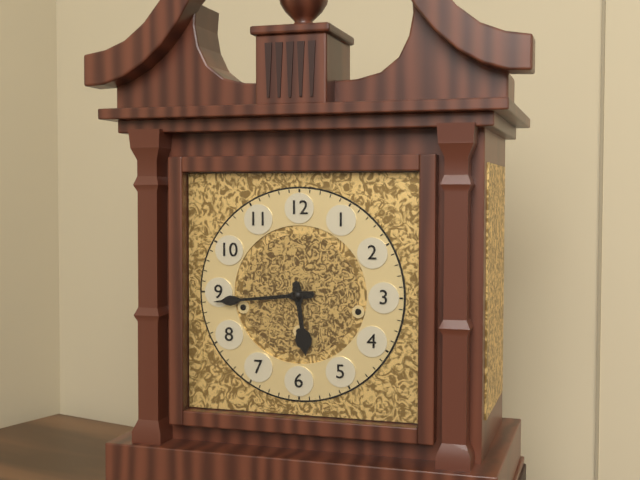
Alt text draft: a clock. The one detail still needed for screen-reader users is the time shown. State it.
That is 5:44
